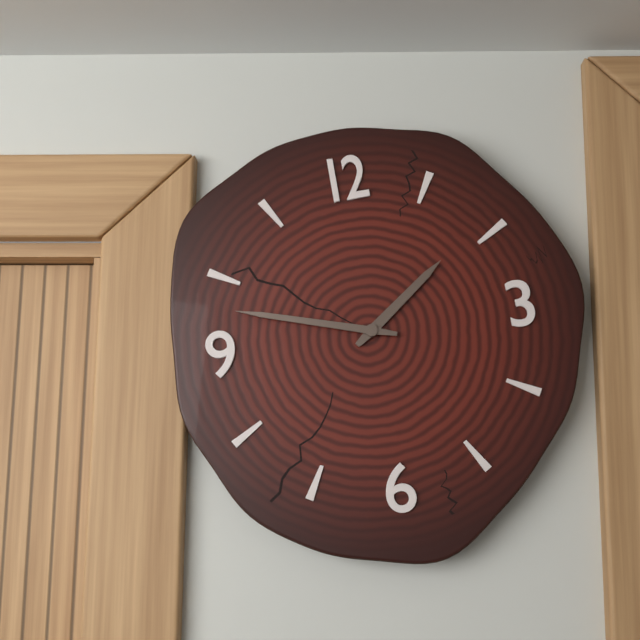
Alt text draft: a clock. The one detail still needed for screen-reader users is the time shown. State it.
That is 1:48
